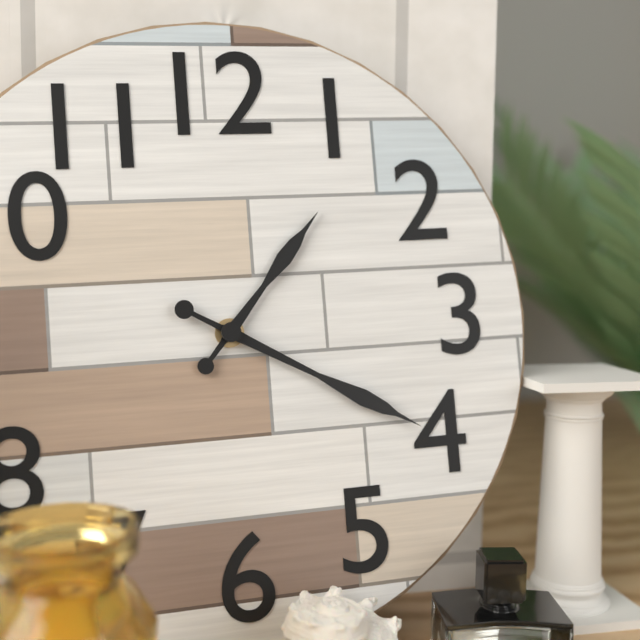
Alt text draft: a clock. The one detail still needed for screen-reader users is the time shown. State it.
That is 1:20
